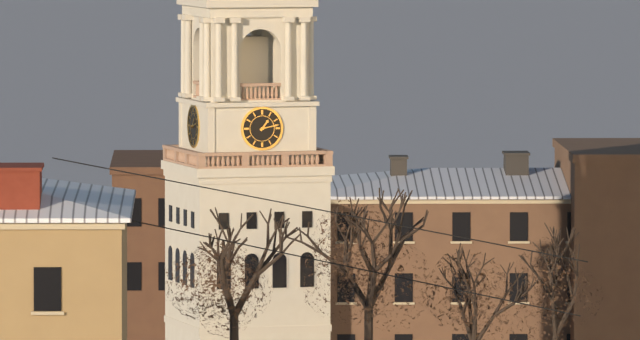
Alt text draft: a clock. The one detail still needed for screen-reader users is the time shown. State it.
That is 1:13
